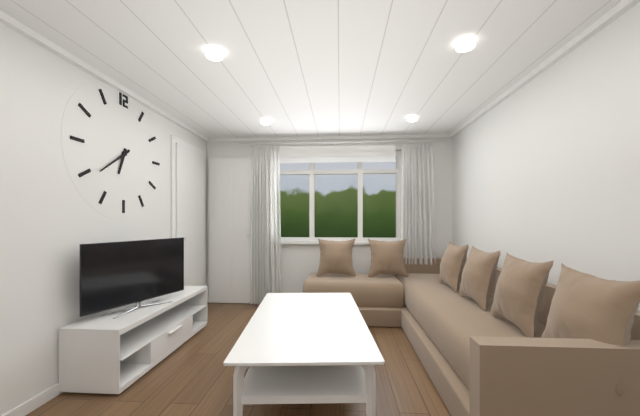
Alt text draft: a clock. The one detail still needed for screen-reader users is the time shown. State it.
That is 6:39
